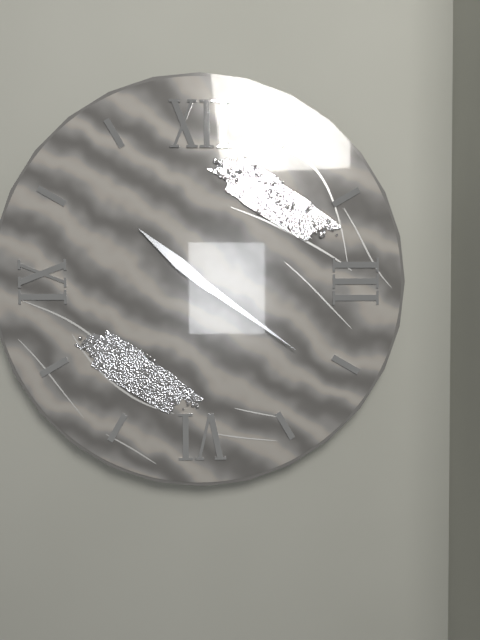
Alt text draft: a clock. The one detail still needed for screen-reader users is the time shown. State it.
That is 10:21
